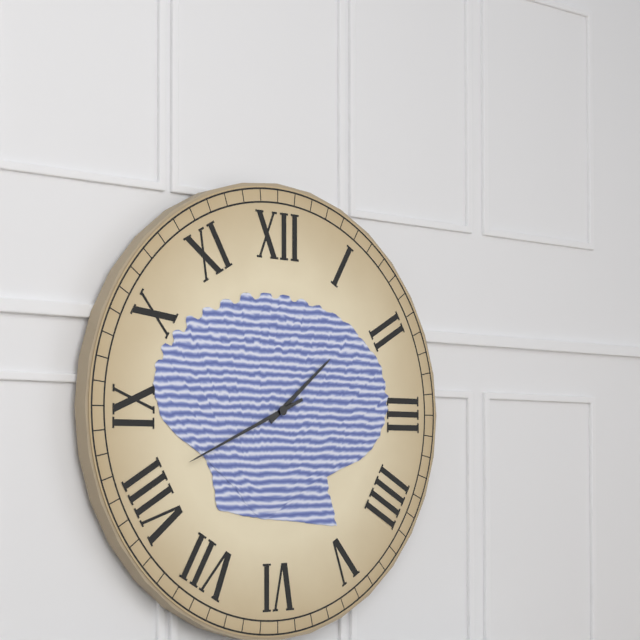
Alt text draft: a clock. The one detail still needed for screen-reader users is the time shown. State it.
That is 1:41
